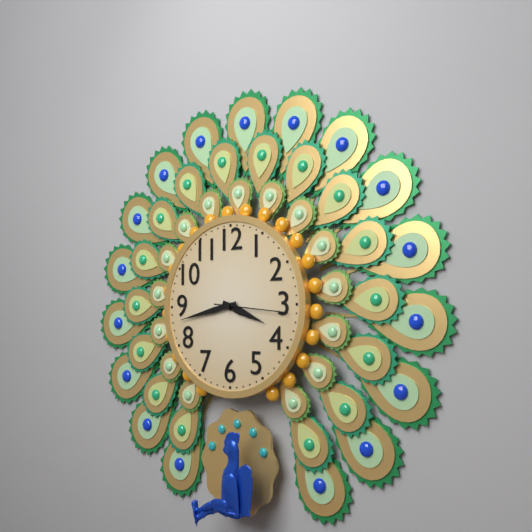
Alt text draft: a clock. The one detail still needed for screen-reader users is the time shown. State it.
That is 3:43:16
